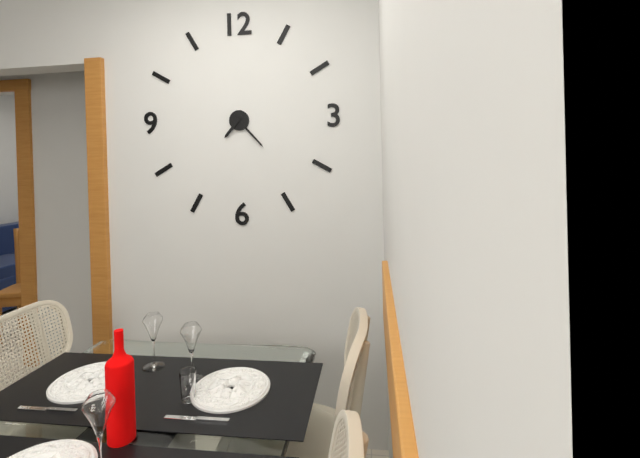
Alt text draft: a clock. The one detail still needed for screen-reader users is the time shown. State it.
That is 7:23
